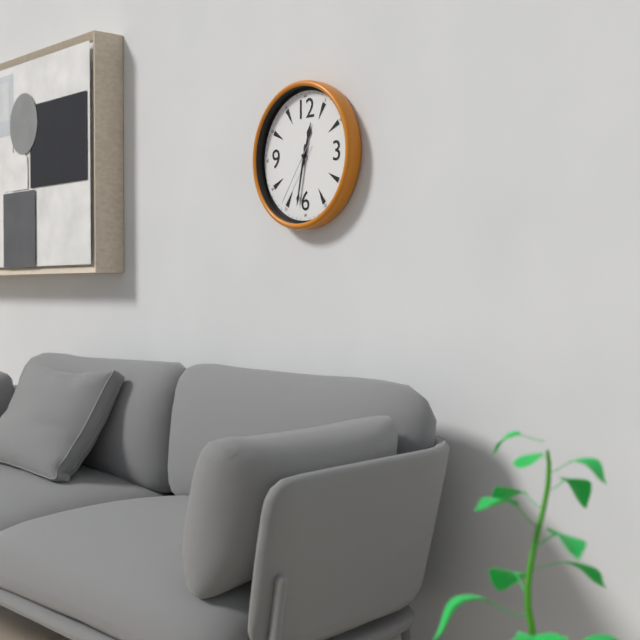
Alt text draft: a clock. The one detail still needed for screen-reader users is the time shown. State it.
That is 12:32:36
